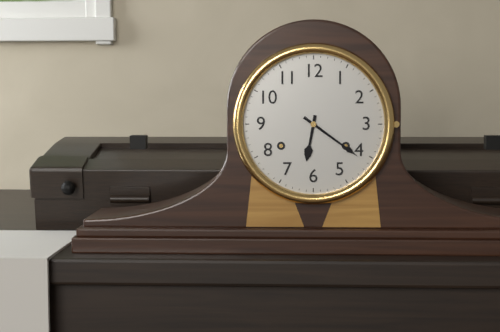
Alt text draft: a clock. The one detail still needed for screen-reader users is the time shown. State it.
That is 6:21
